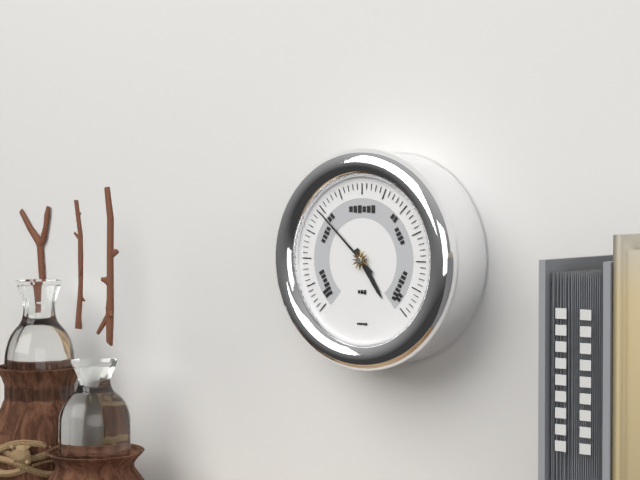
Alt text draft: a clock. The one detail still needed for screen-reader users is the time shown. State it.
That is 4:52
